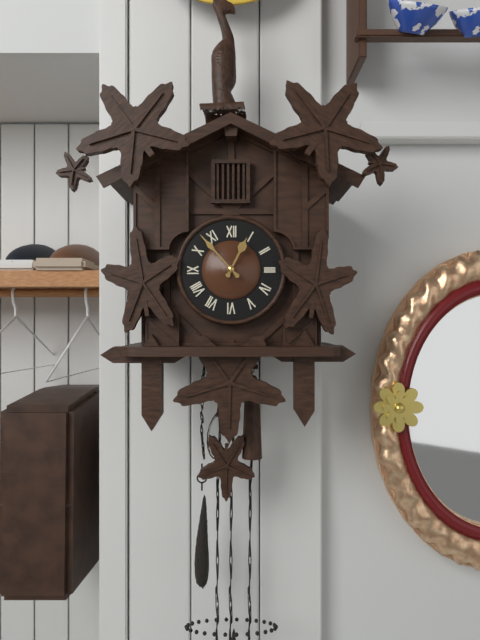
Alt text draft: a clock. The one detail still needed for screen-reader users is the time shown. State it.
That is 12:53
